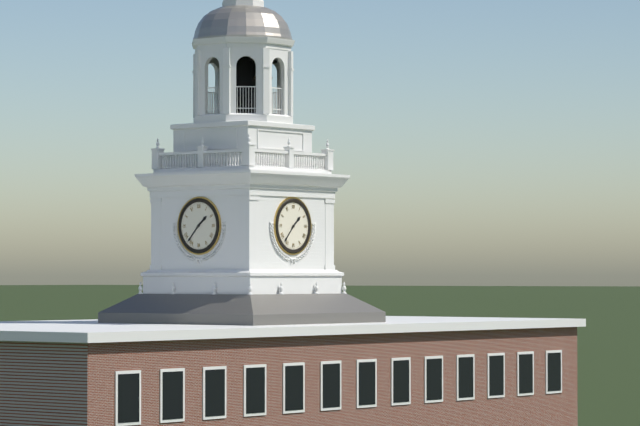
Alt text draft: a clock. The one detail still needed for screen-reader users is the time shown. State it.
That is 1:37
